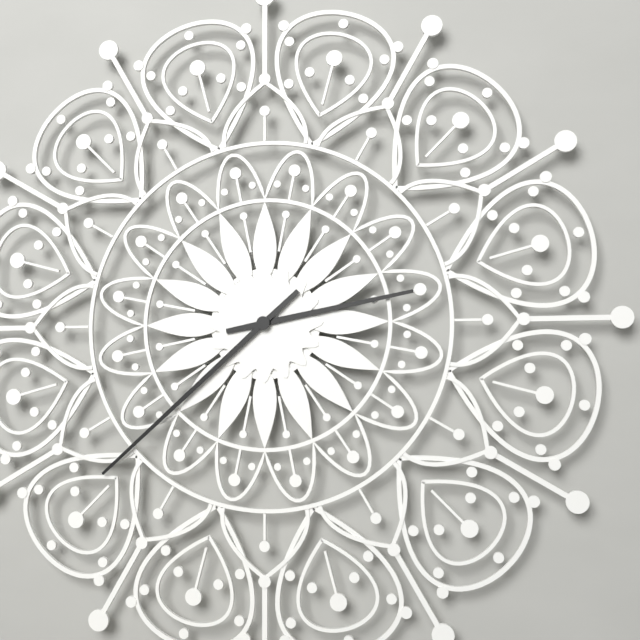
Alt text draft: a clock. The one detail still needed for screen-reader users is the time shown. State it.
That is 2:38
